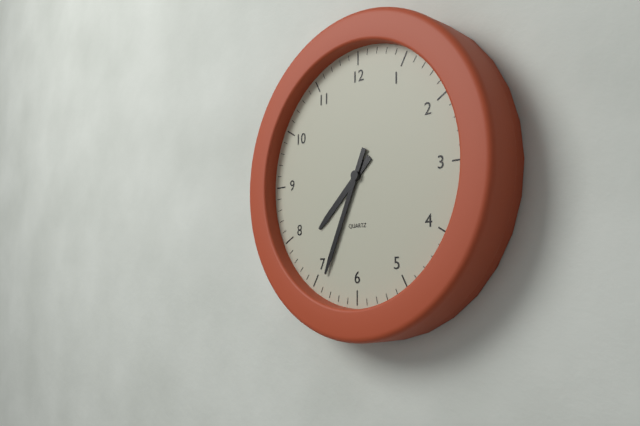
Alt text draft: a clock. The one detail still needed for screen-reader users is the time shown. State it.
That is 7:34
